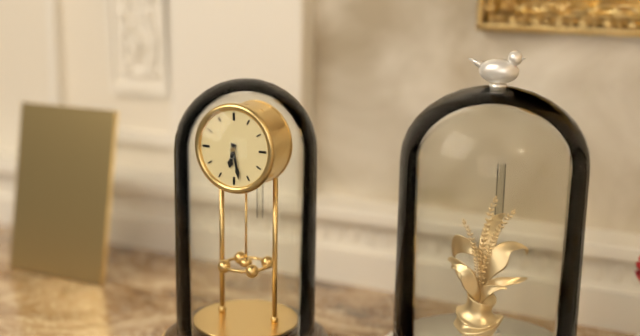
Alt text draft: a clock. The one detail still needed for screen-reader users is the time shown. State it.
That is 6:28
